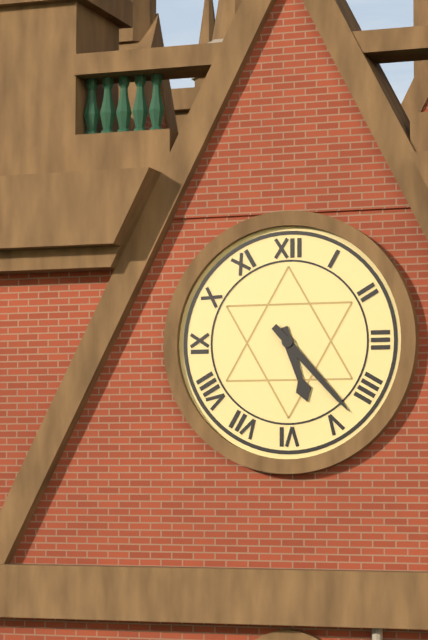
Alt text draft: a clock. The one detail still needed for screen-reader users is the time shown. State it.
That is 5:23
